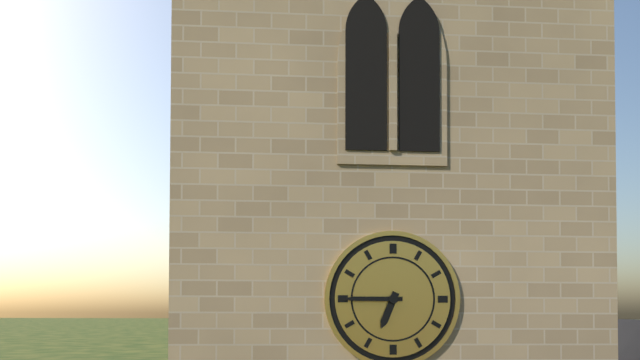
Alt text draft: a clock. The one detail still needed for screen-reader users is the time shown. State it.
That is 6:45
